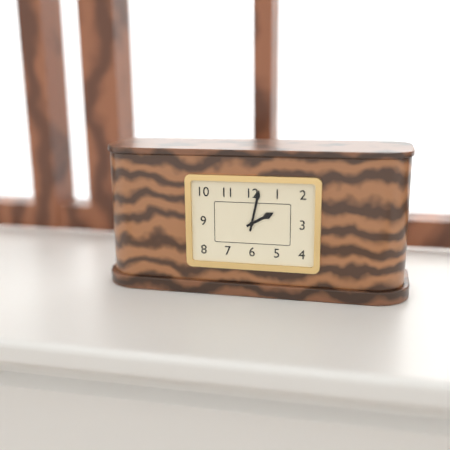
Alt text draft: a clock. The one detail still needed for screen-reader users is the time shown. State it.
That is 2:02
